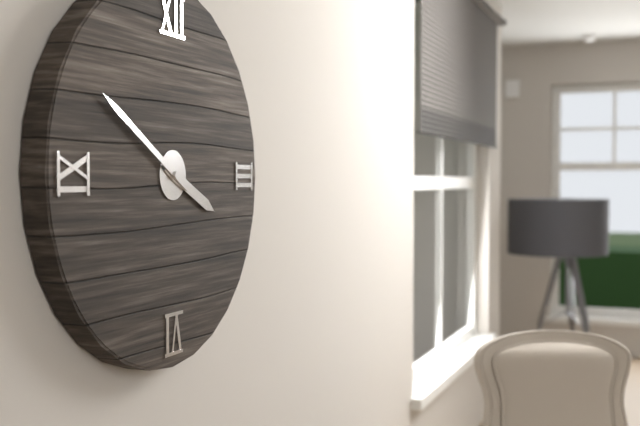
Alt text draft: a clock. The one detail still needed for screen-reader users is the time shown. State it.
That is 3:50
